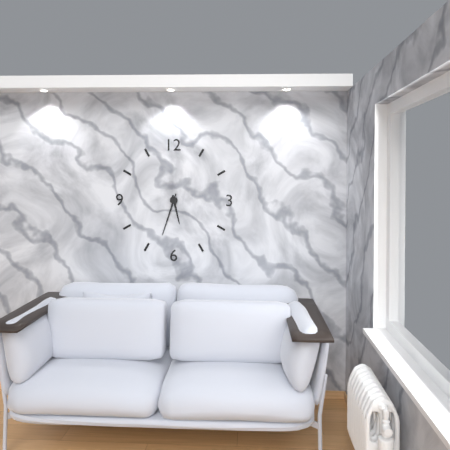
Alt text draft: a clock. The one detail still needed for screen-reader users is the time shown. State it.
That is 5:33
